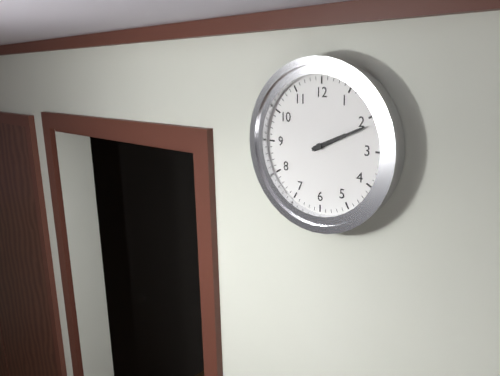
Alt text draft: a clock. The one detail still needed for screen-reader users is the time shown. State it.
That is 2:11
